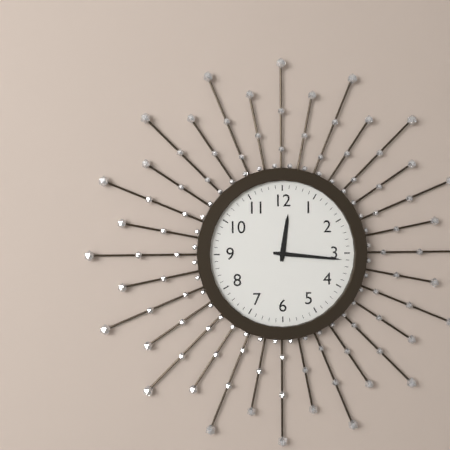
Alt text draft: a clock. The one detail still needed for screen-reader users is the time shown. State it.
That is 12:16
